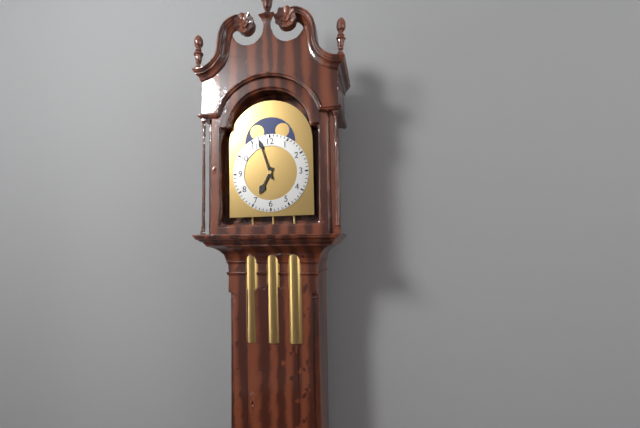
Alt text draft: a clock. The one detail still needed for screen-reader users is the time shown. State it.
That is 6:57
